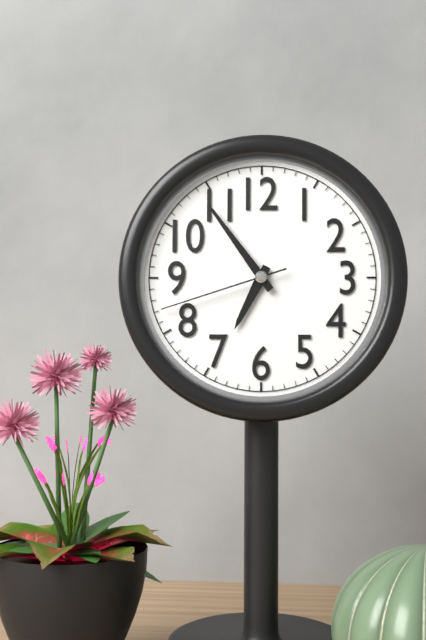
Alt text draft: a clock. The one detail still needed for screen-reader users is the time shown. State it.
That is 6:54:42
